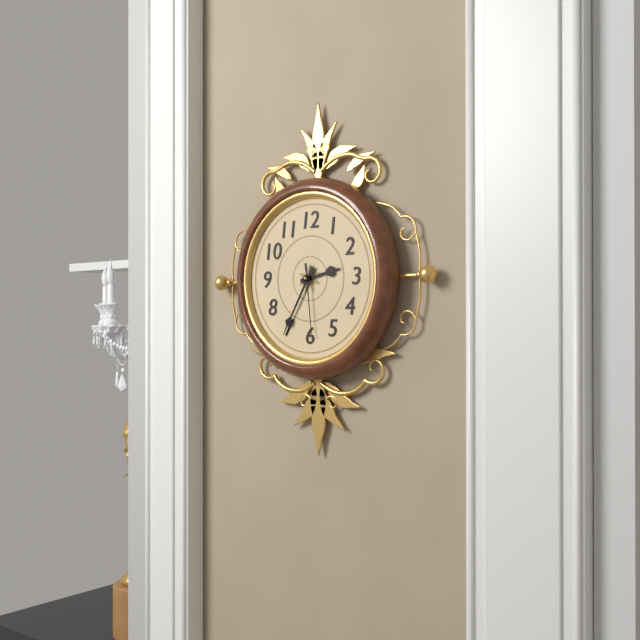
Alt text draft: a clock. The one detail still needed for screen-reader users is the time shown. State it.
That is 2:35:29
